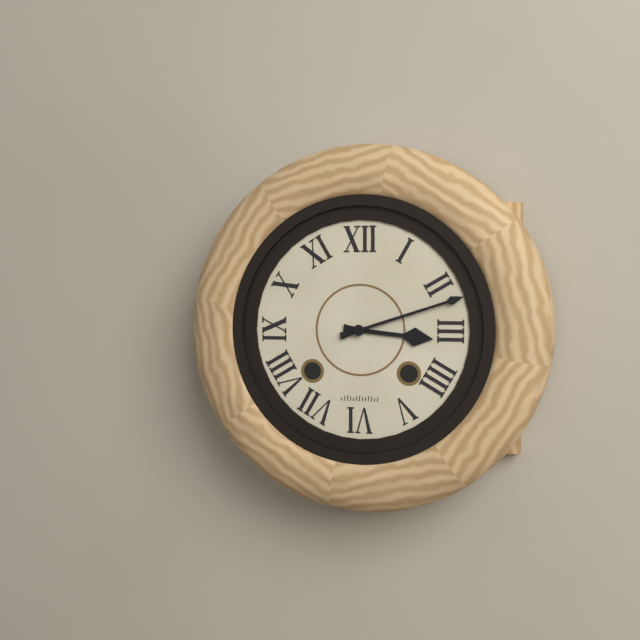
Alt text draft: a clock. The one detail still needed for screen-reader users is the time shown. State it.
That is 3:12
